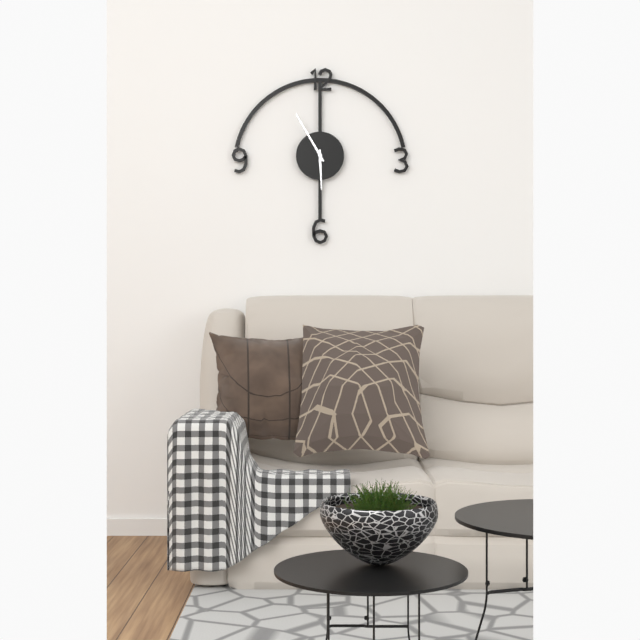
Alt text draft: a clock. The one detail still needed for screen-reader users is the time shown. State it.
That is 5:55
